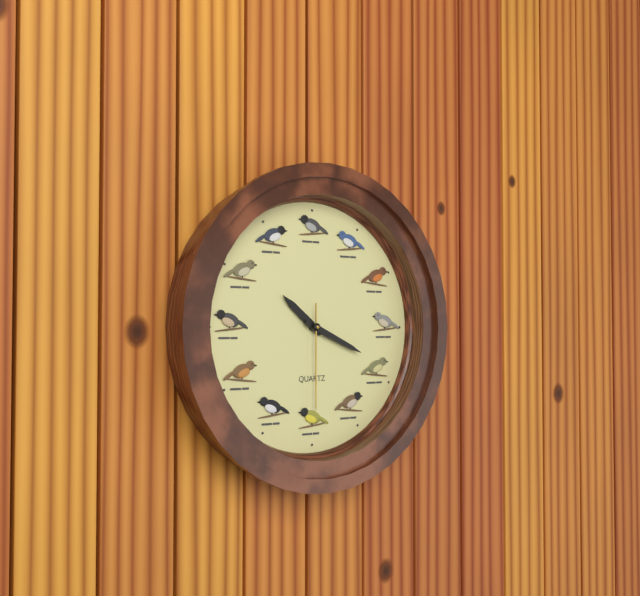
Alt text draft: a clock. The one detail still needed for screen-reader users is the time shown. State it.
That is 10:19:30
